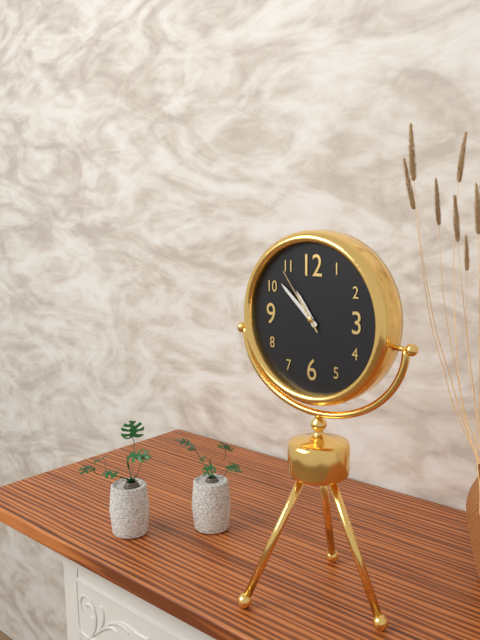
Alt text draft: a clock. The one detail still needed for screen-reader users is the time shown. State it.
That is 10:52:54
